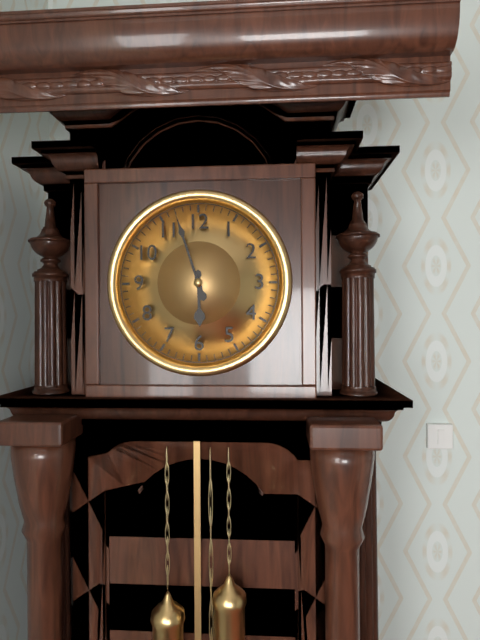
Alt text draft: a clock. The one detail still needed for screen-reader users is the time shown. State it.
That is 5:57
